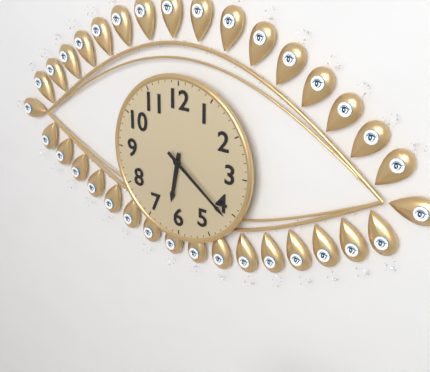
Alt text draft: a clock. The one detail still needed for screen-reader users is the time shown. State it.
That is 6:21
